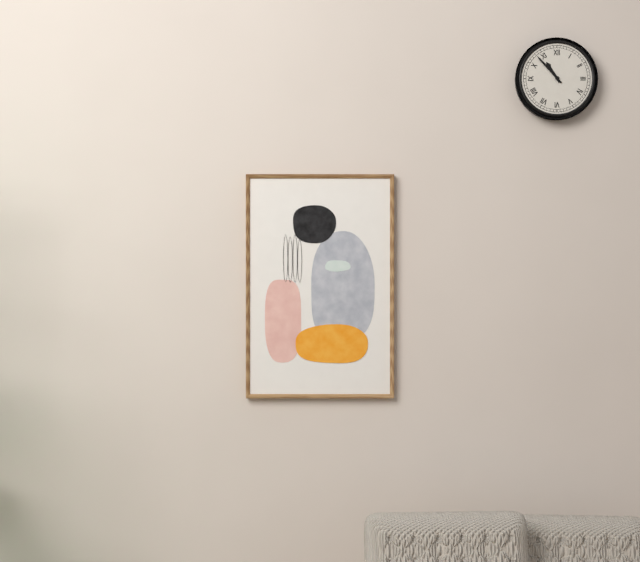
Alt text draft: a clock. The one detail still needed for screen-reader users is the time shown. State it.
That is 10:53
